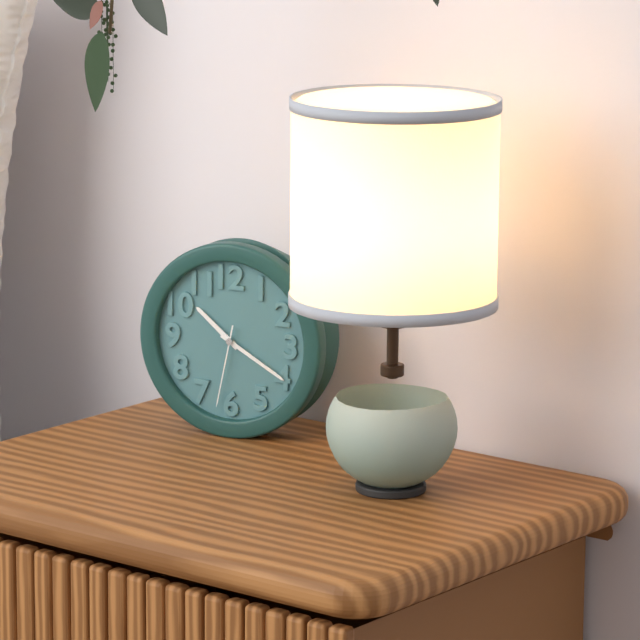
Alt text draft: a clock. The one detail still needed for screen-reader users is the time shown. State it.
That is 10:20:32
